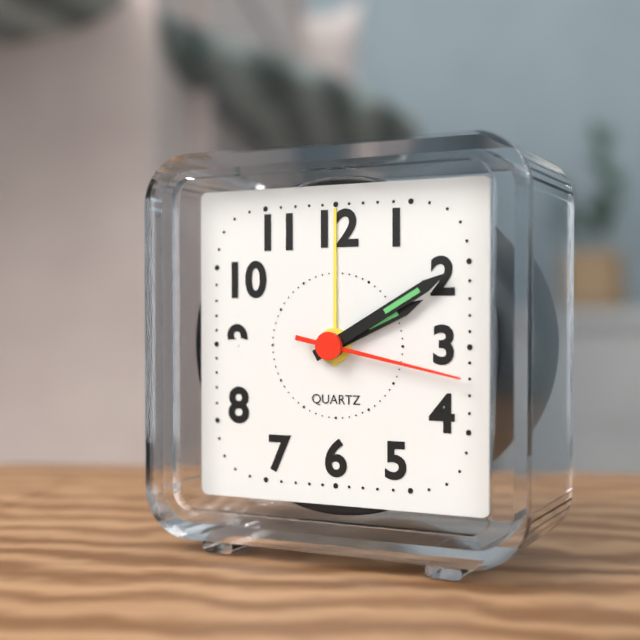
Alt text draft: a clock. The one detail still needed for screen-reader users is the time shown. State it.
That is 2:10:17
